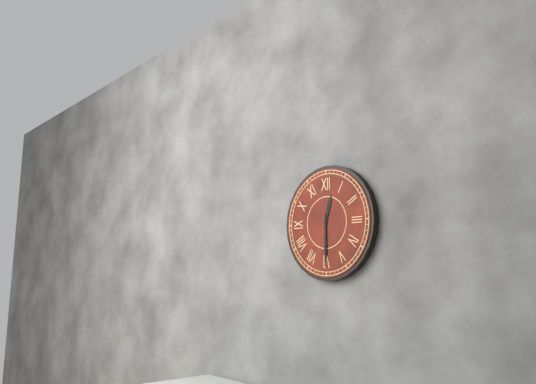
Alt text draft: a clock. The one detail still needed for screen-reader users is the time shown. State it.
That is 12:30
